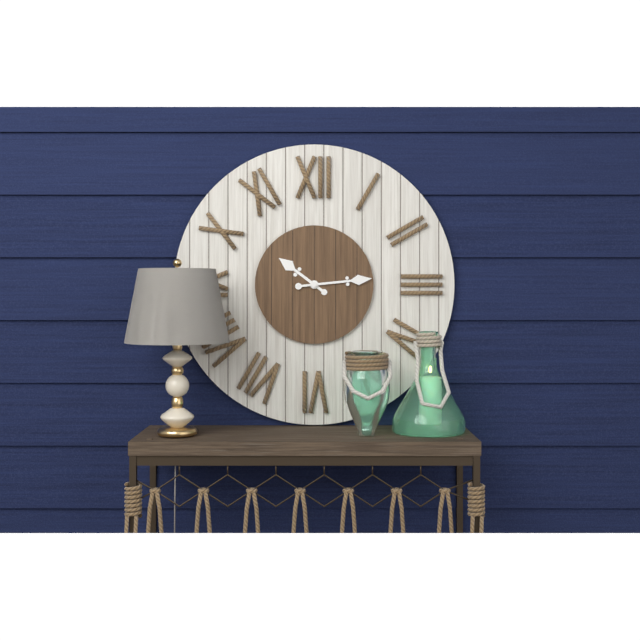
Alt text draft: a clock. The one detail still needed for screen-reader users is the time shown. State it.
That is 10:14
